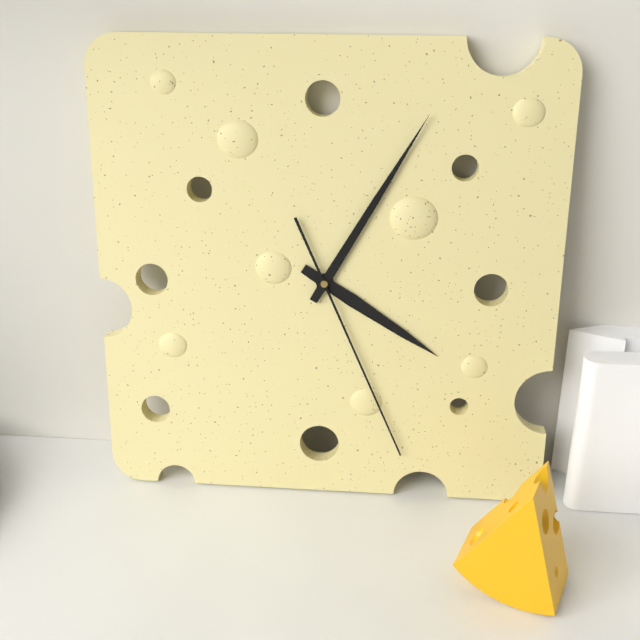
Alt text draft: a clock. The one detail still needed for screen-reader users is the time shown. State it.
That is 4:05:26
